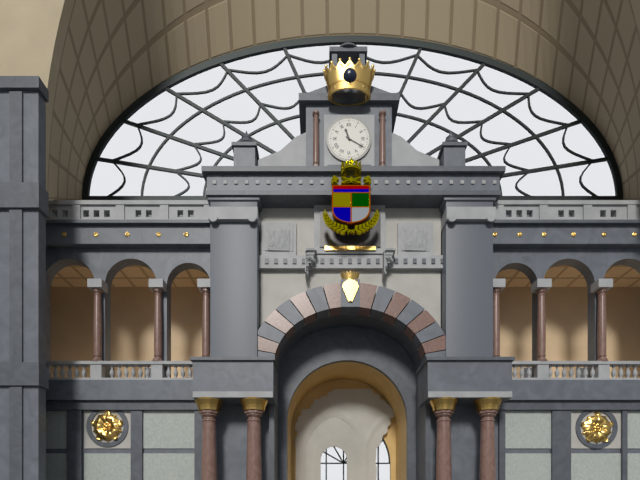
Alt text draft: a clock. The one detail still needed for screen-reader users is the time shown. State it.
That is 11:20
